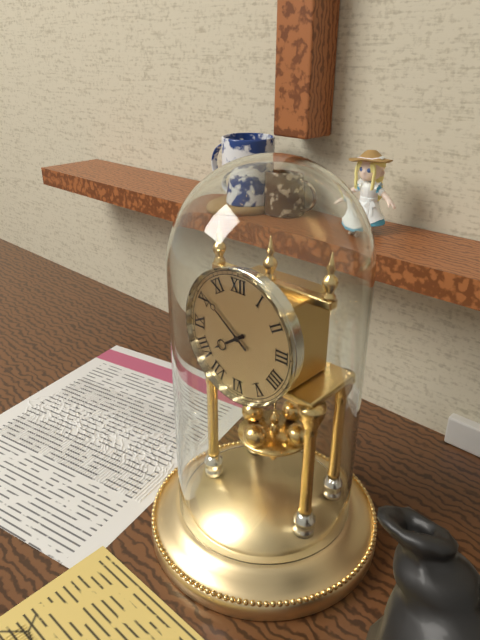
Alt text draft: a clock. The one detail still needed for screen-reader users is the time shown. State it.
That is 7:51
